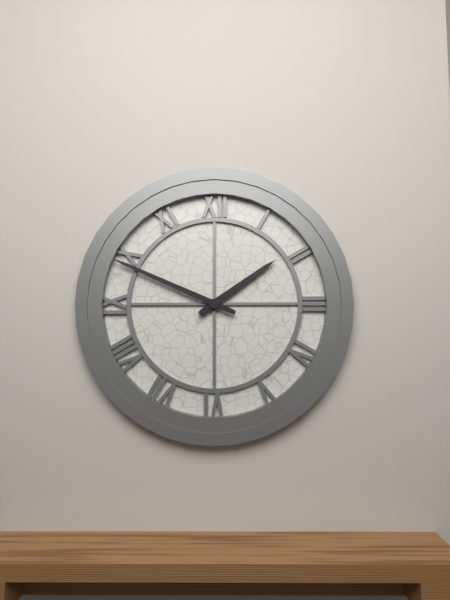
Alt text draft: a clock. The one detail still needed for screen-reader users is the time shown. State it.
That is 1:49
